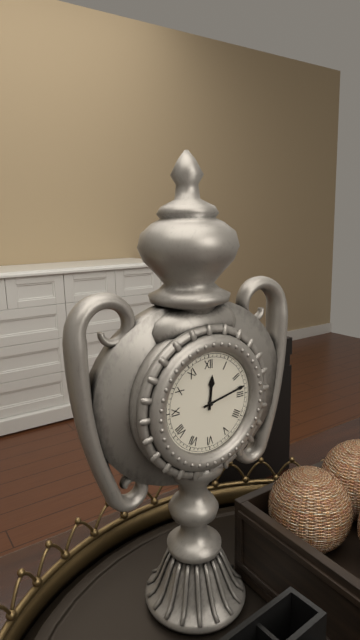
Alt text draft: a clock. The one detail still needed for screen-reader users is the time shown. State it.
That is 12:13
